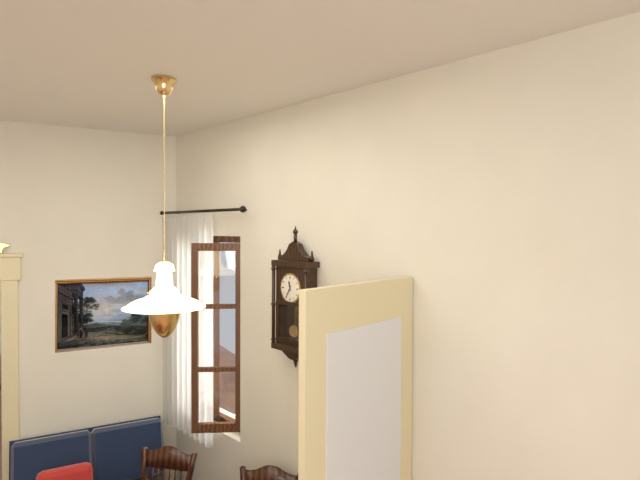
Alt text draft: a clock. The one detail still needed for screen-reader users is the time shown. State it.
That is 11:35
